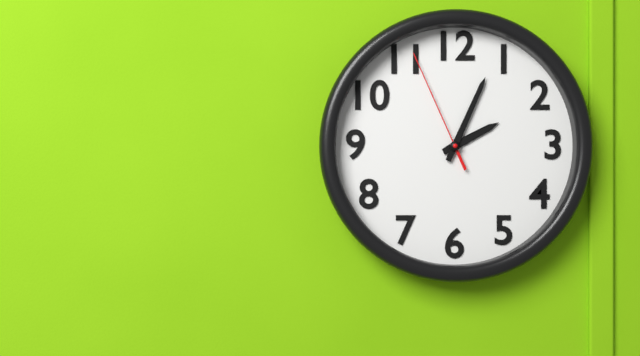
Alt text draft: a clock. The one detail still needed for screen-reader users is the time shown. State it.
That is 2:04:56
